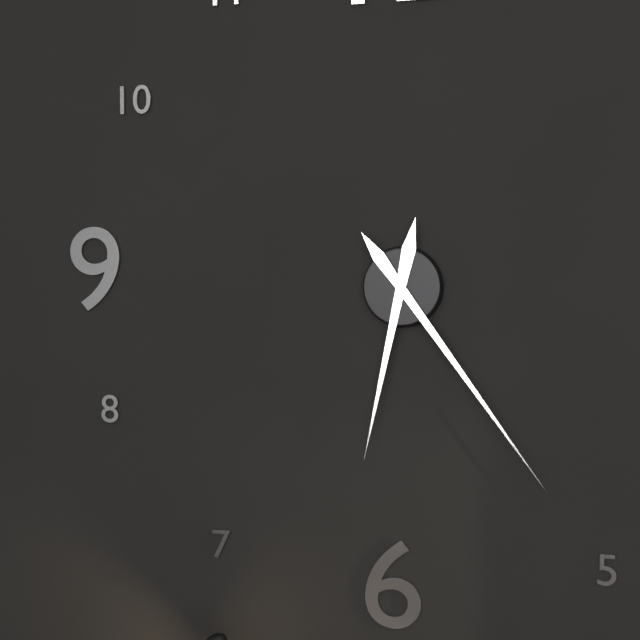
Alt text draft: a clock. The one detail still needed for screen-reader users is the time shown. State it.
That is 6:24
